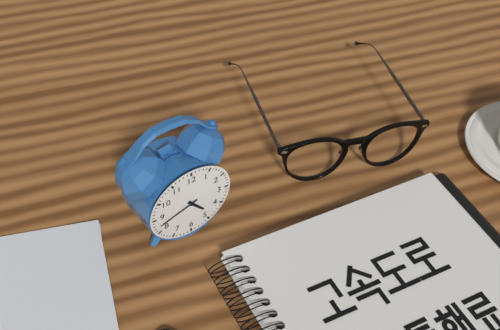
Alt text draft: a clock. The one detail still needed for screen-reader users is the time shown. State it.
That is 4:42
